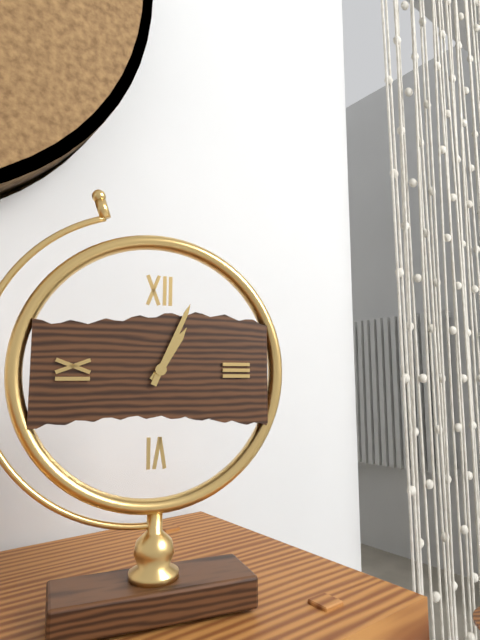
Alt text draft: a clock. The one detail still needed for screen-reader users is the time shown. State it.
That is 1:04
